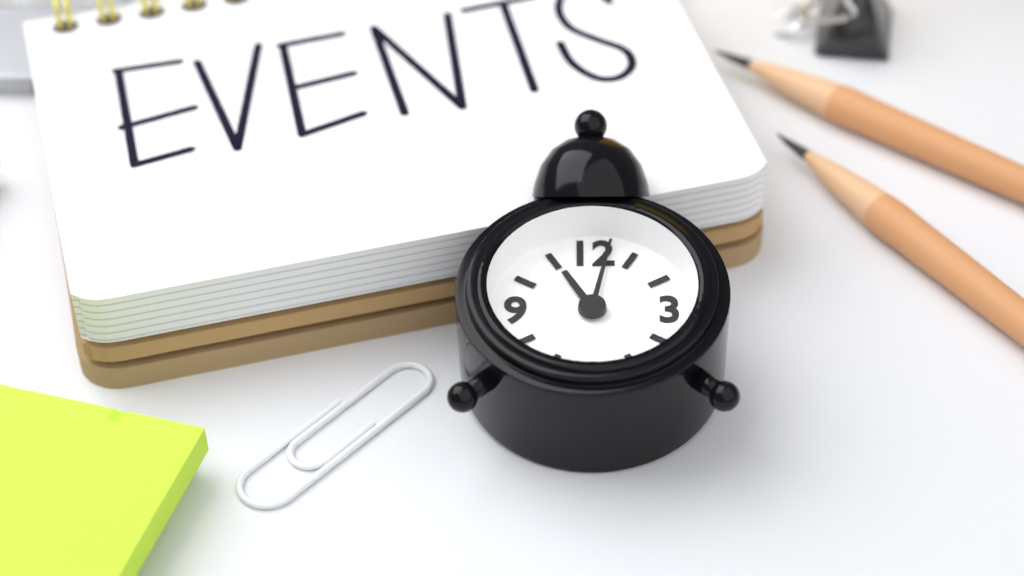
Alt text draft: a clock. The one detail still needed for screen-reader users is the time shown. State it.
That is 11:02
